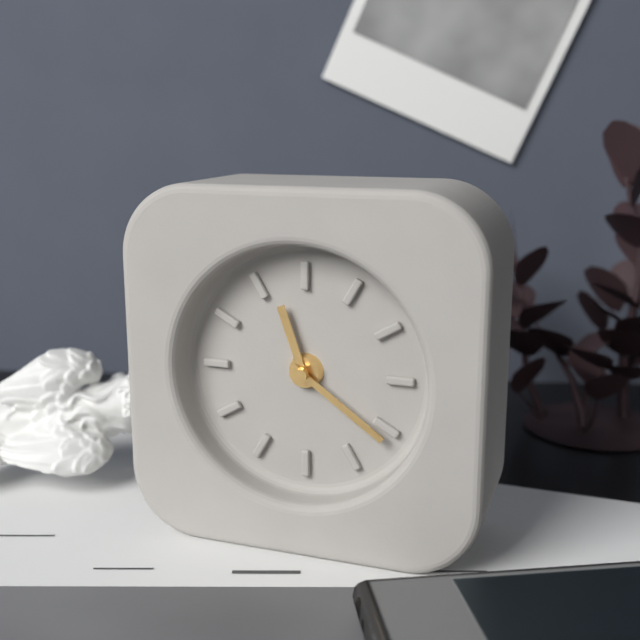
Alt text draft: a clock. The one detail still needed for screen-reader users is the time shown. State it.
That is 11:21
